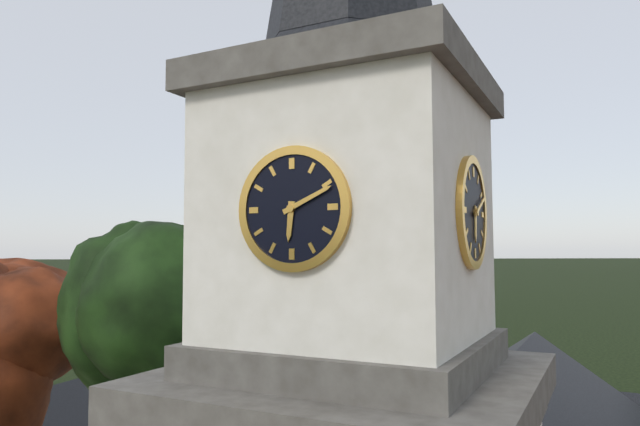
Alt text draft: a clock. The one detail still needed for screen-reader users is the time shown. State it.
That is 6:11
